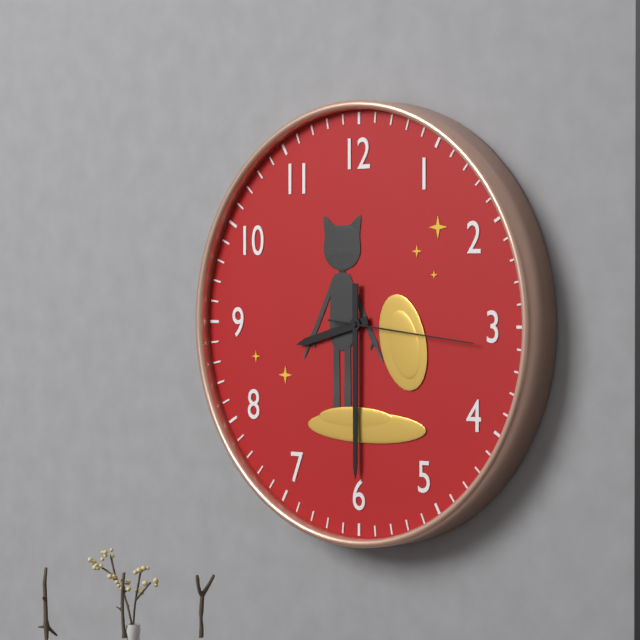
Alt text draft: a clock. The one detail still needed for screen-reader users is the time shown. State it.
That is 8:30:16
